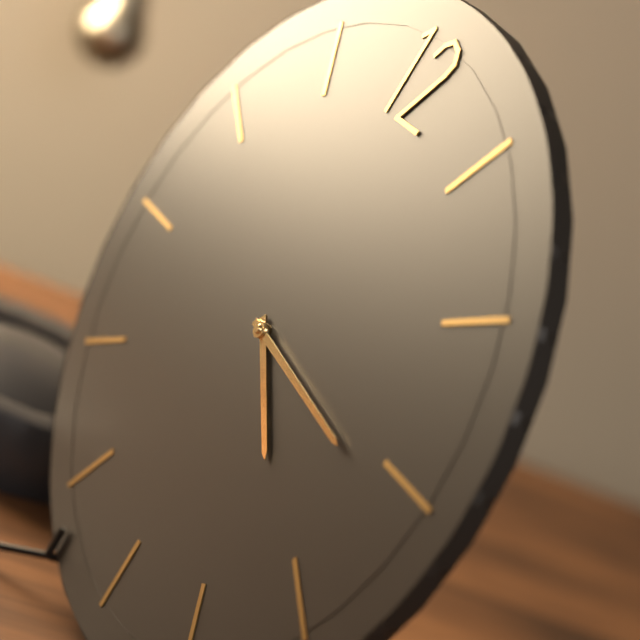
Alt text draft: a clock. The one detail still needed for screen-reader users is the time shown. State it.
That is 4:16
